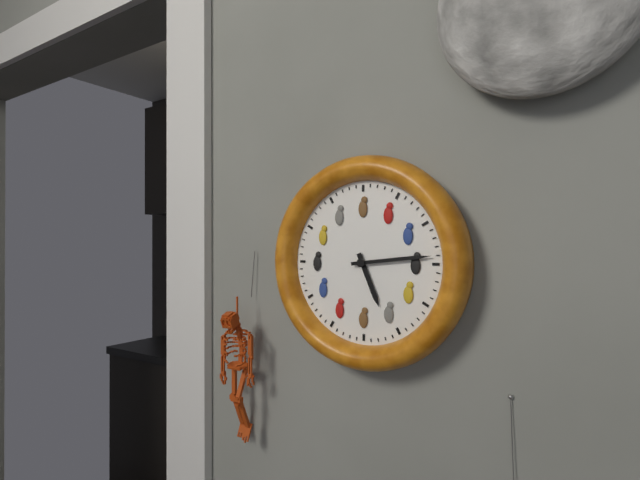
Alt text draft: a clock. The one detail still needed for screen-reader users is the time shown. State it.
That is 5:14
